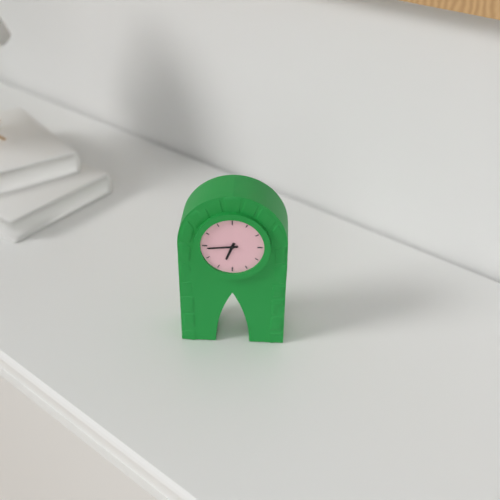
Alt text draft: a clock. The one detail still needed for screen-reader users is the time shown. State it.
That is 6:44
